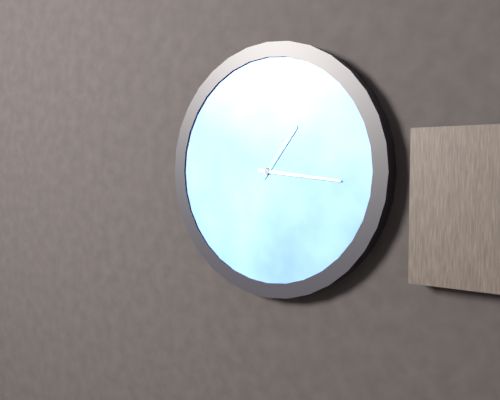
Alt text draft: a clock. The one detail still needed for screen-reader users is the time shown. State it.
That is 1:16
